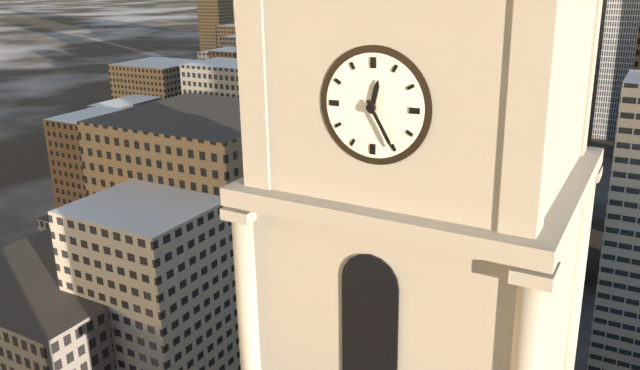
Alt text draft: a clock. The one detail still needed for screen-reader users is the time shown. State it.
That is 12:25
